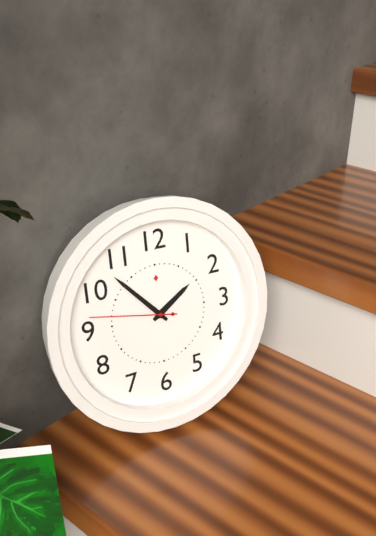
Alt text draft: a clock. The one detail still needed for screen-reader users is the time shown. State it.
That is 1:53:47
